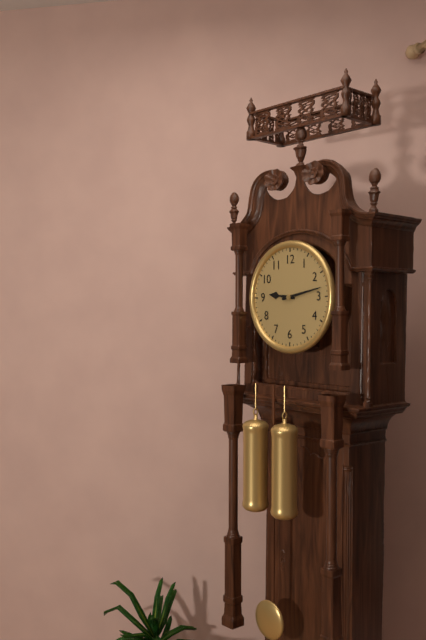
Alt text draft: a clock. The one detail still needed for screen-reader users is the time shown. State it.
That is 9:13
